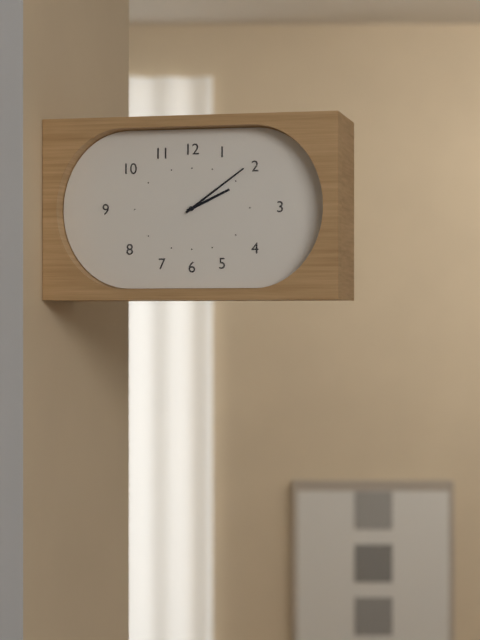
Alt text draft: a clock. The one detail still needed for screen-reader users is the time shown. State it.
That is 2:09
